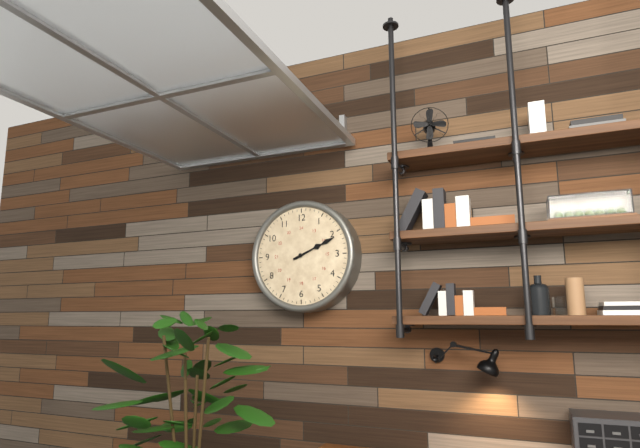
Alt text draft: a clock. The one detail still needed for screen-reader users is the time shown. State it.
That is 2:11
